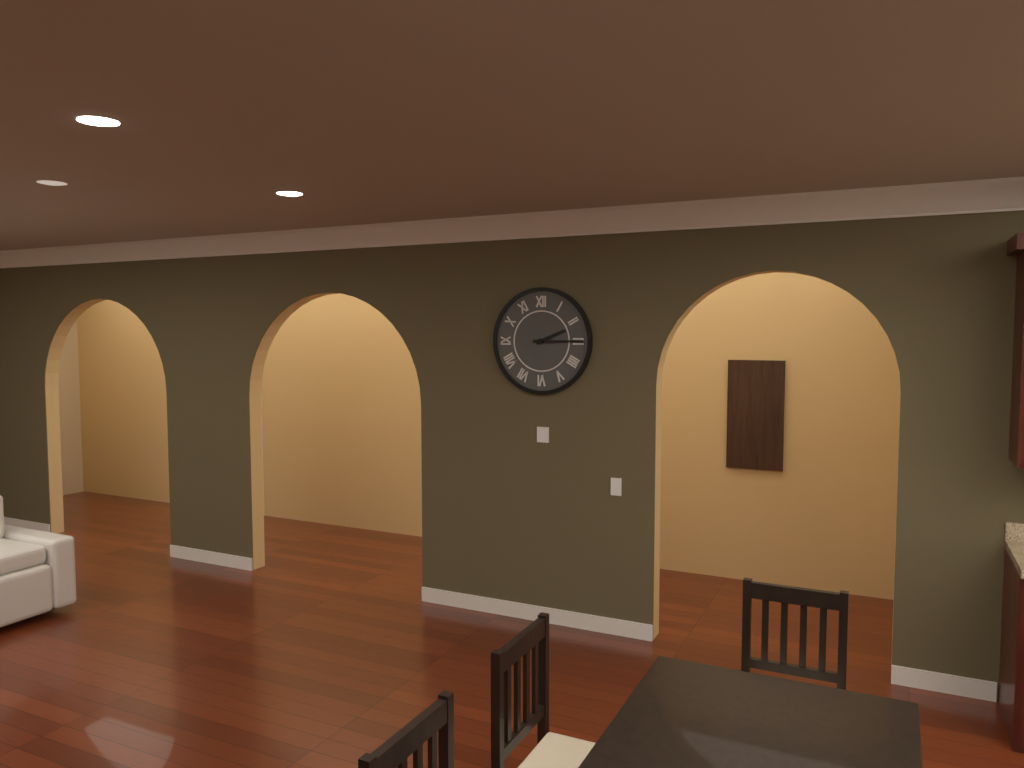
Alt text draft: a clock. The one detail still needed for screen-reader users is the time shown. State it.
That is 2:15
